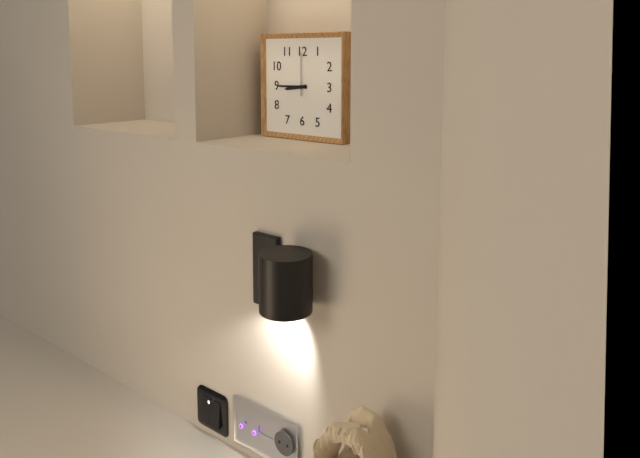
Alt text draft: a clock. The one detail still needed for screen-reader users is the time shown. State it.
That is 8:45
